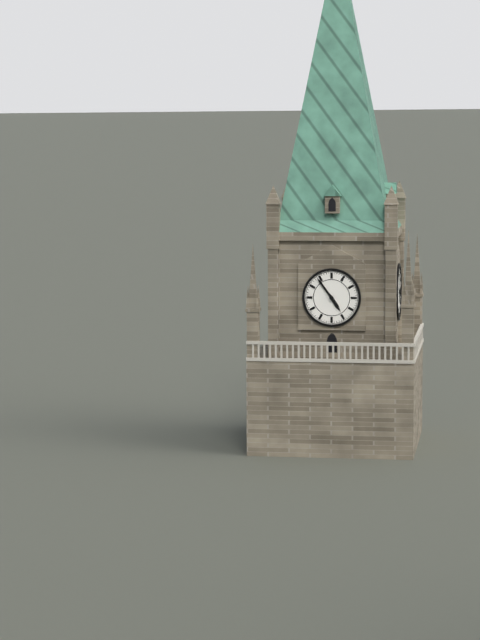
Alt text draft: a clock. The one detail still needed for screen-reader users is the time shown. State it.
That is 4:54
